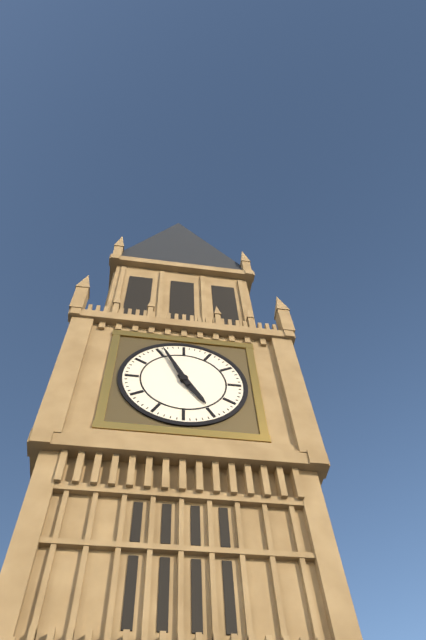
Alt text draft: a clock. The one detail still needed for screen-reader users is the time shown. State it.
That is 4:56
